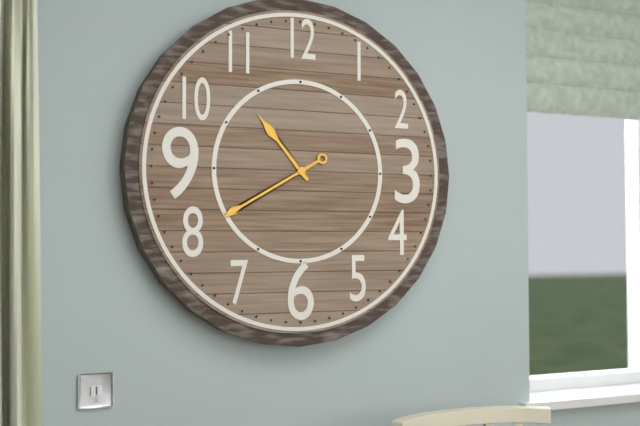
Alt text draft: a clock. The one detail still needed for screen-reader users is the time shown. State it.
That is 10:40
